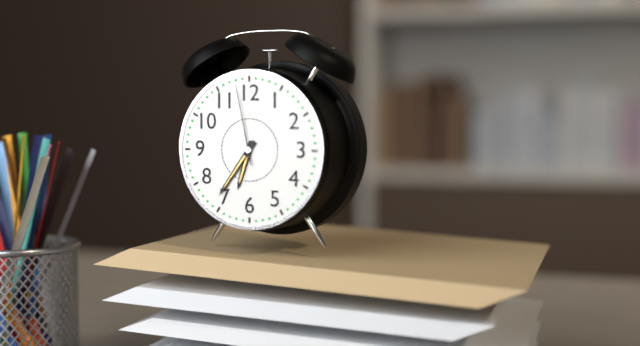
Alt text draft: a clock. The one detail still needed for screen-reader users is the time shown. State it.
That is 6:36:58
